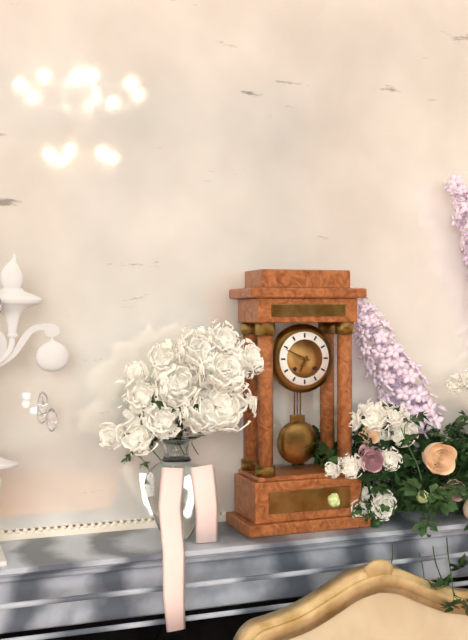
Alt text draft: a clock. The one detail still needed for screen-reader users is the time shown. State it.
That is 6:49
